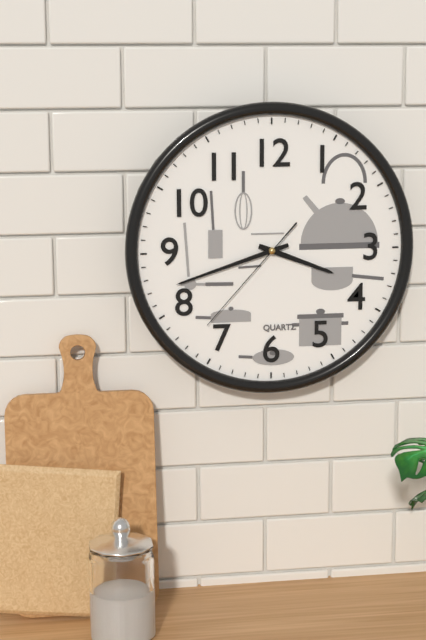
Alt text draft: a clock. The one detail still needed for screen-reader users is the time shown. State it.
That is 3:42:37
